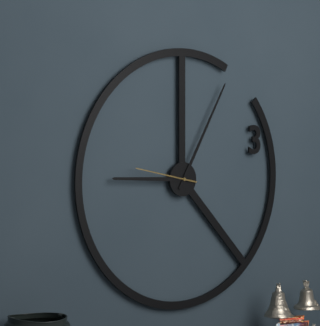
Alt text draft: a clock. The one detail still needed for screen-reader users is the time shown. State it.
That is 9:05:47
